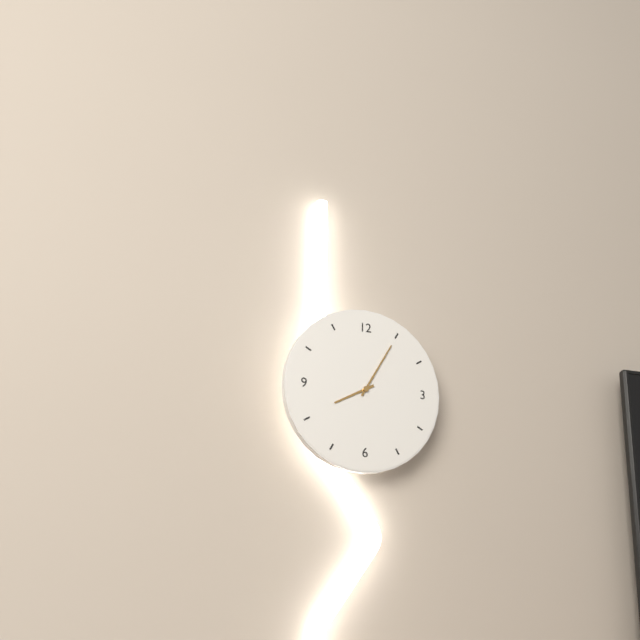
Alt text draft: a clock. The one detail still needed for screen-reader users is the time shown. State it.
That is 8:05
